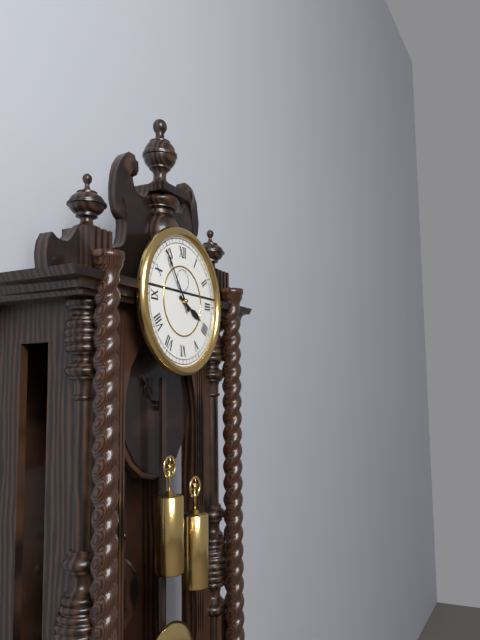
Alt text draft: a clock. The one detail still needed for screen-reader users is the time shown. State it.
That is 3:54
